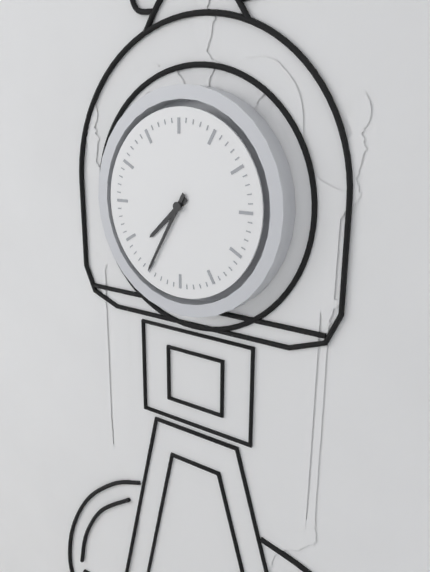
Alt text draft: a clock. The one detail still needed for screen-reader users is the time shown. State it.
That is 7:35
